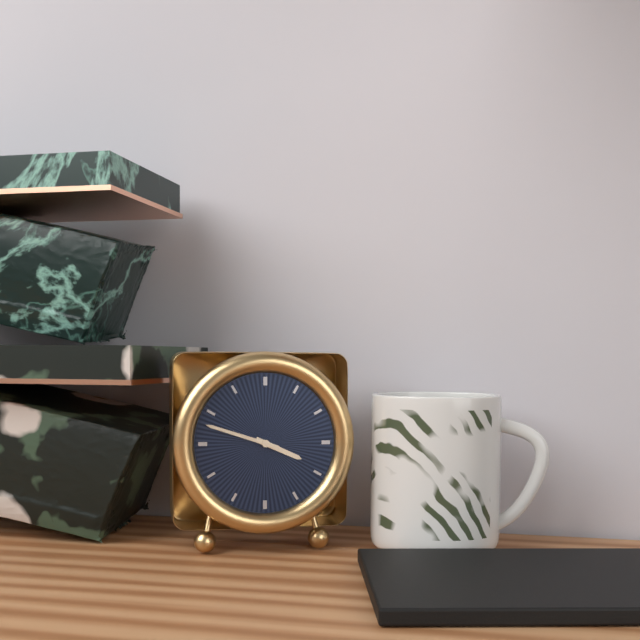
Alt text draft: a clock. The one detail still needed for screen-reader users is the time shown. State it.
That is 3:48
